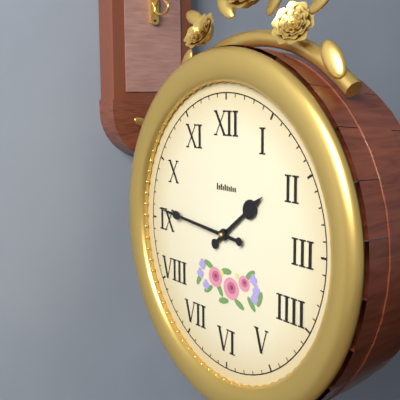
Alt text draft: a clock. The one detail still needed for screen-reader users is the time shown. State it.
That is 1:46
